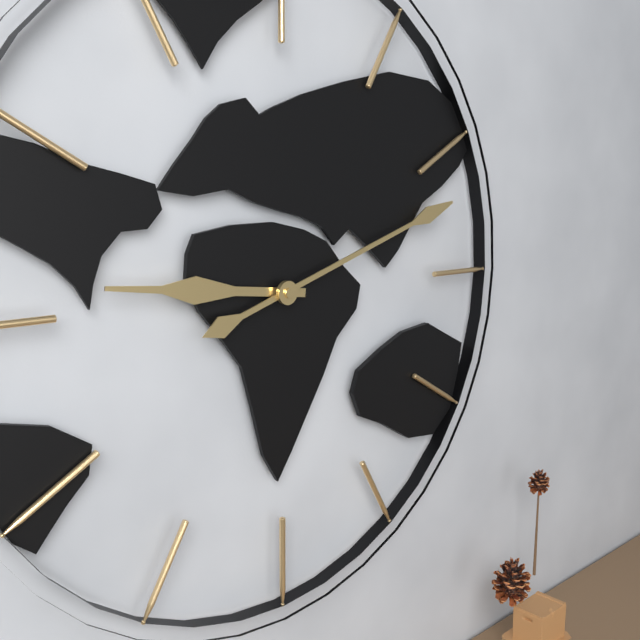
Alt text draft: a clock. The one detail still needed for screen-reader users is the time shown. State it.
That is 9:12
